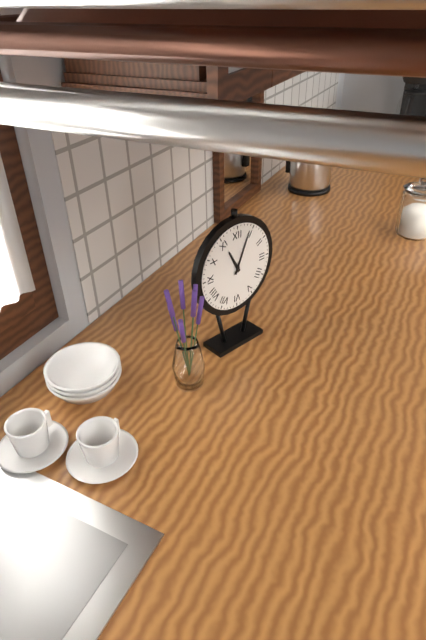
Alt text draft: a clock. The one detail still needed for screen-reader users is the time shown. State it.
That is 11:04
